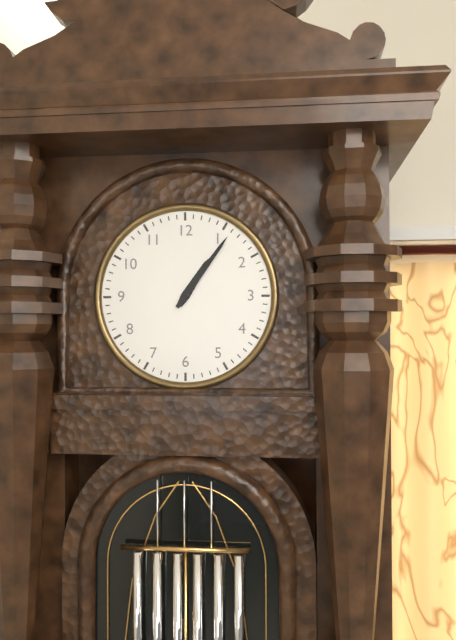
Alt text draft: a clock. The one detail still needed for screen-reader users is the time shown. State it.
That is 1:06
